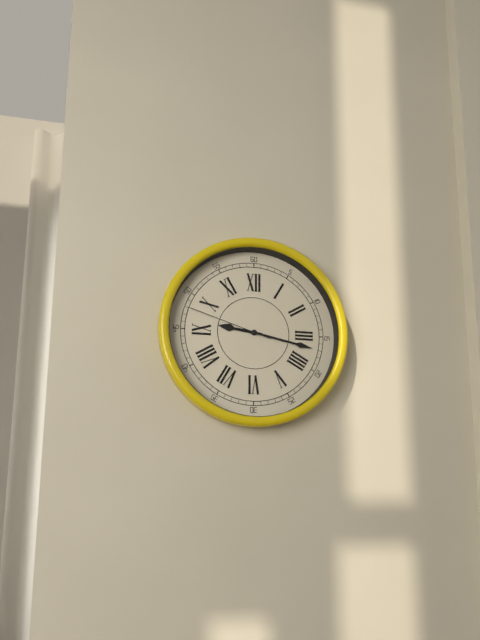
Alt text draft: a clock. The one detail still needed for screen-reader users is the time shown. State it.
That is 9:17:48
